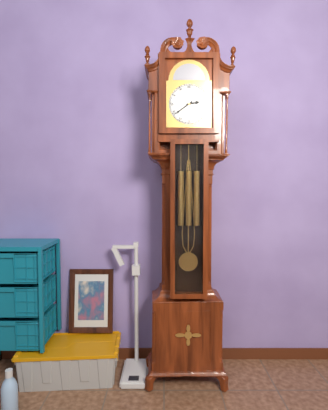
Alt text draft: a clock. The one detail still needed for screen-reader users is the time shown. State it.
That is 2:39
